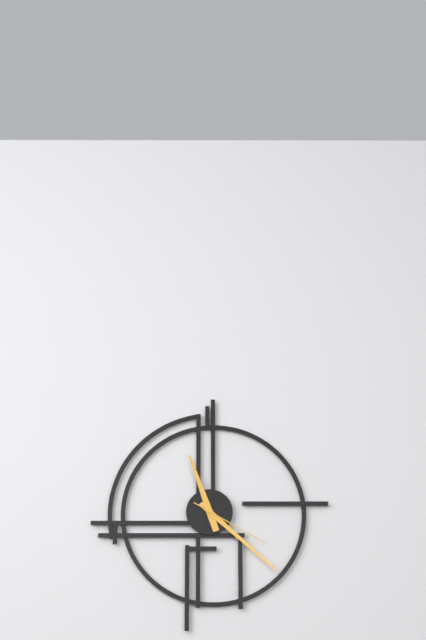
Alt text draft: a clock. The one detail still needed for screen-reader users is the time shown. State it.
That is 11:22:20
